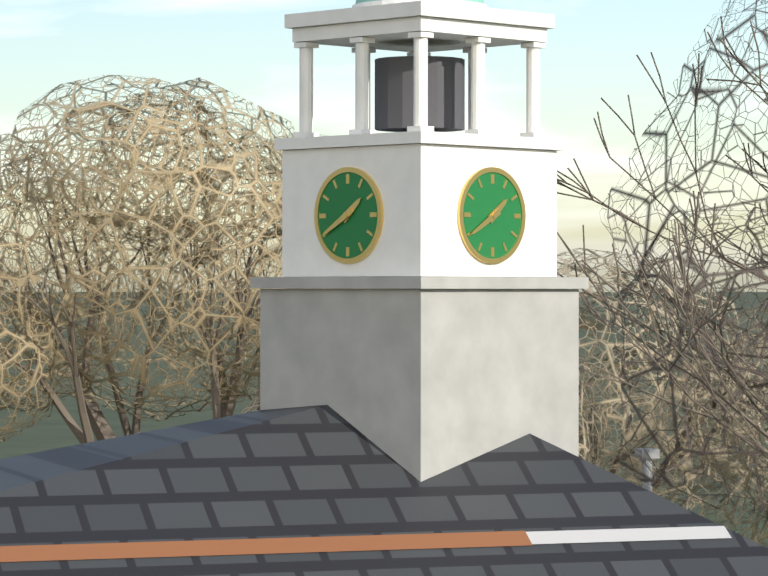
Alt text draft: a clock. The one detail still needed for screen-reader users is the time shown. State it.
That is 1:40
